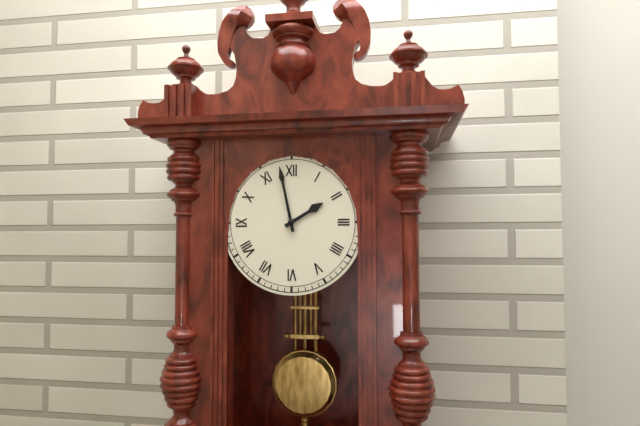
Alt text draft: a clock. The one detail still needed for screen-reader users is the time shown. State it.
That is 1:58
